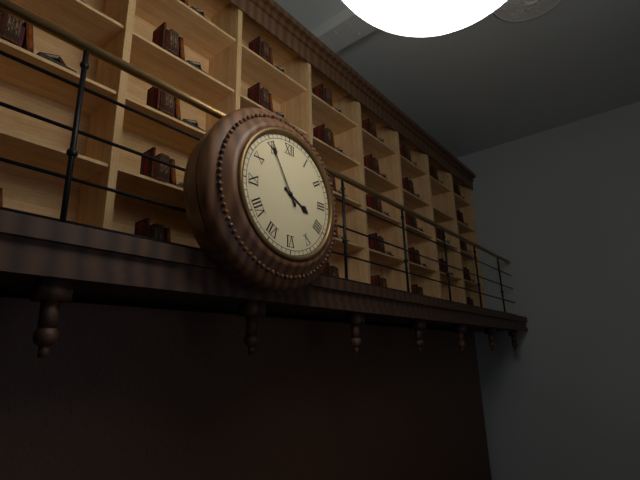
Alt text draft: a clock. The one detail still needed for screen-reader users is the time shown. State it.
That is 3:55
